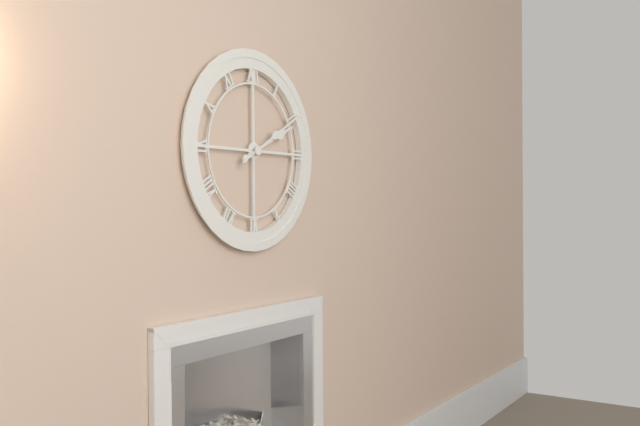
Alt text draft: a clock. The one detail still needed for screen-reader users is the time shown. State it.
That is 2:10
